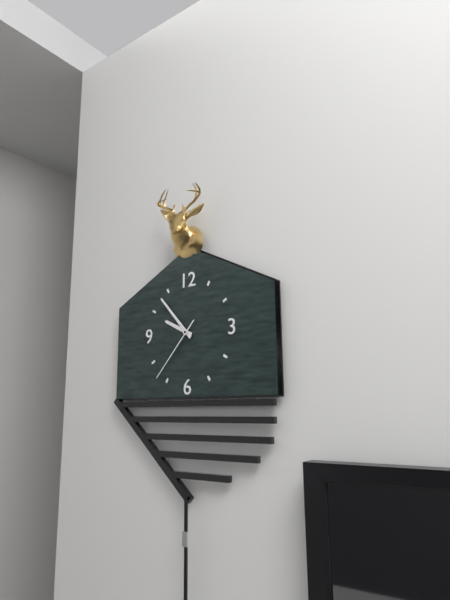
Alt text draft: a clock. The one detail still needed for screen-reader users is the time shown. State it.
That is 9:53:37
